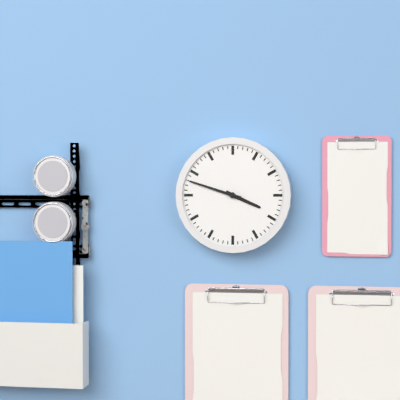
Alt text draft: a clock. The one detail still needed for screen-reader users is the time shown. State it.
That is 3:48
